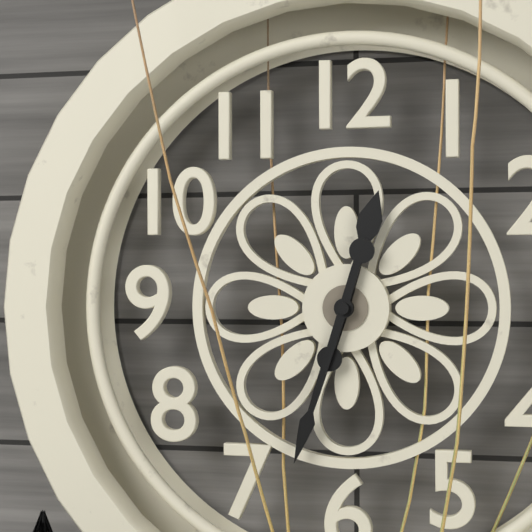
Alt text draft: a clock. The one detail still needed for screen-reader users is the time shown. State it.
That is 12:33
